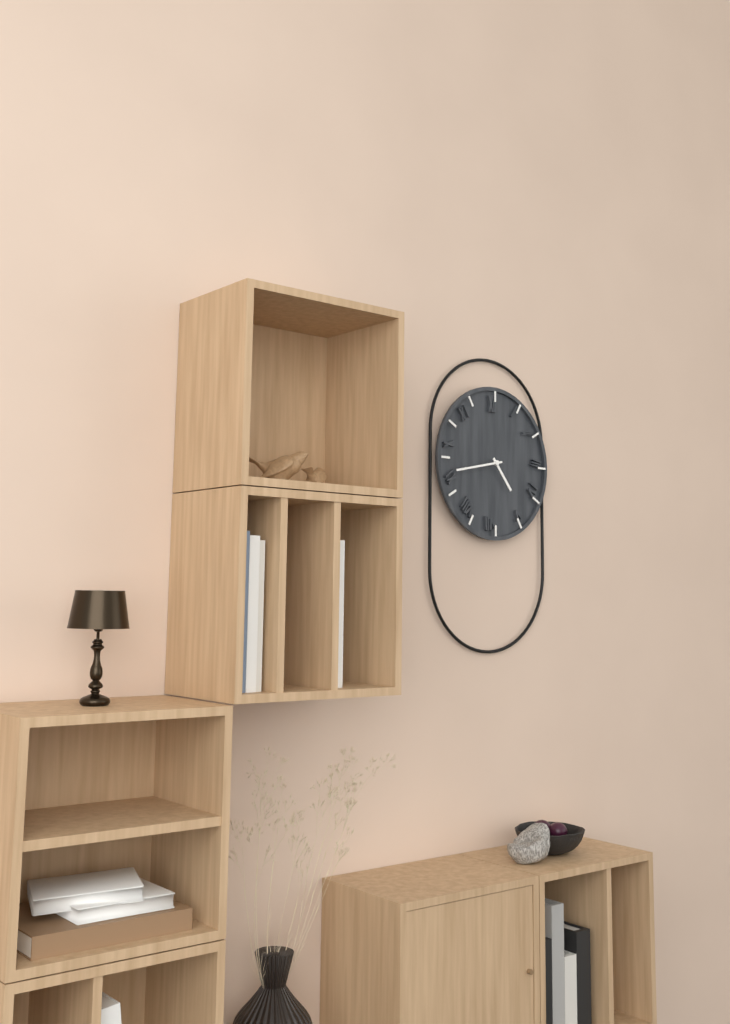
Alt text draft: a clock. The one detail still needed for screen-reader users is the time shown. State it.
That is 4:43
